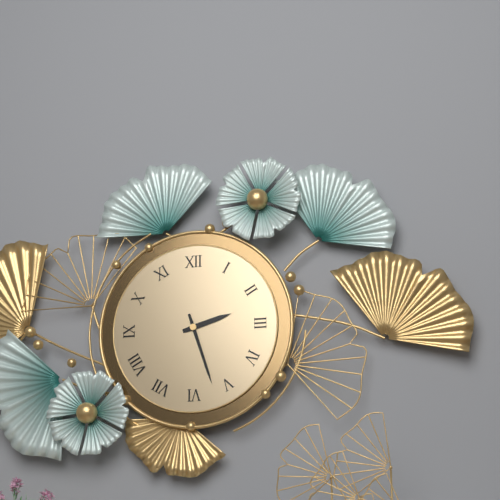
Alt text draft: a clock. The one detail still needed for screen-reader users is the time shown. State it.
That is 2:27
